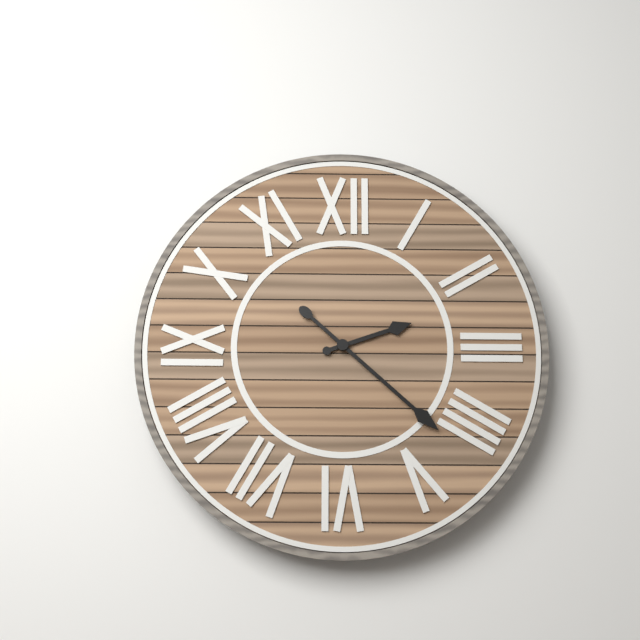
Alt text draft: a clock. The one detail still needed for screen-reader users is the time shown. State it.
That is 2:22
